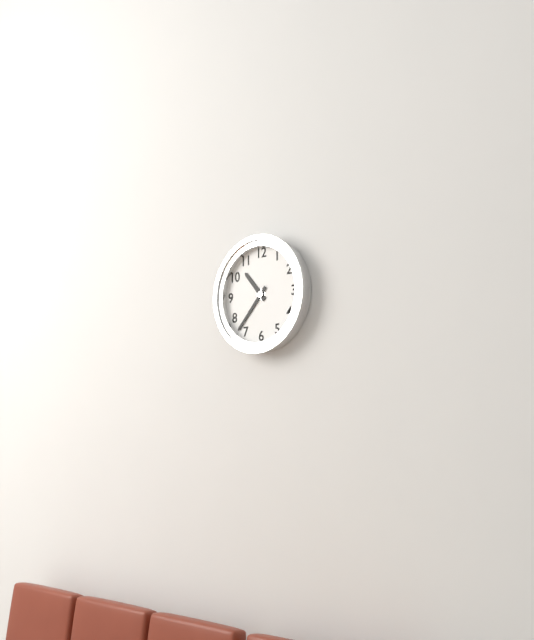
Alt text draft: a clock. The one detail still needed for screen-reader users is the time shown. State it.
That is 10:37
